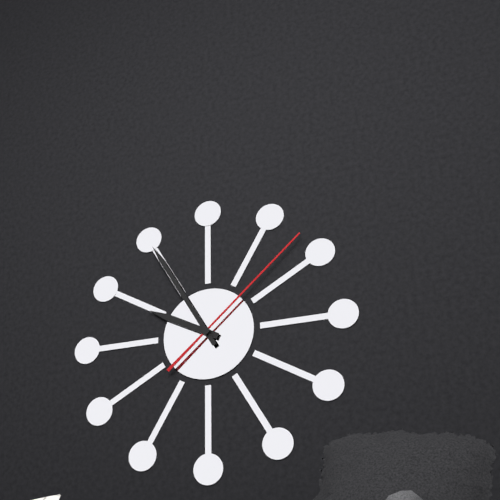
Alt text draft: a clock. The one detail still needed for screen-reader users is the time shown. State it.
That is 9:55:08
